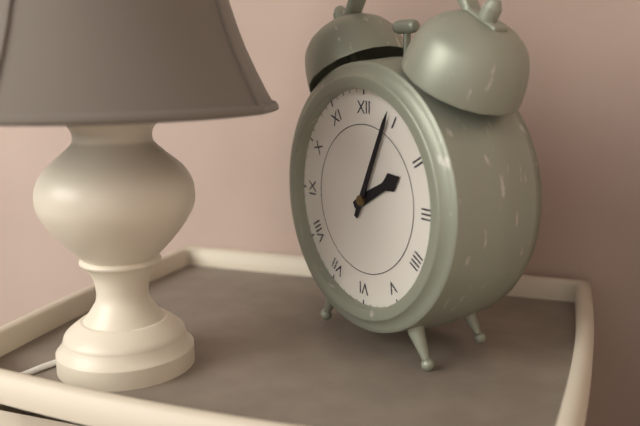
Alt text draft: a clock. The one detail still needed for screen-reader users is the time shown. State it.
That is 2:04
